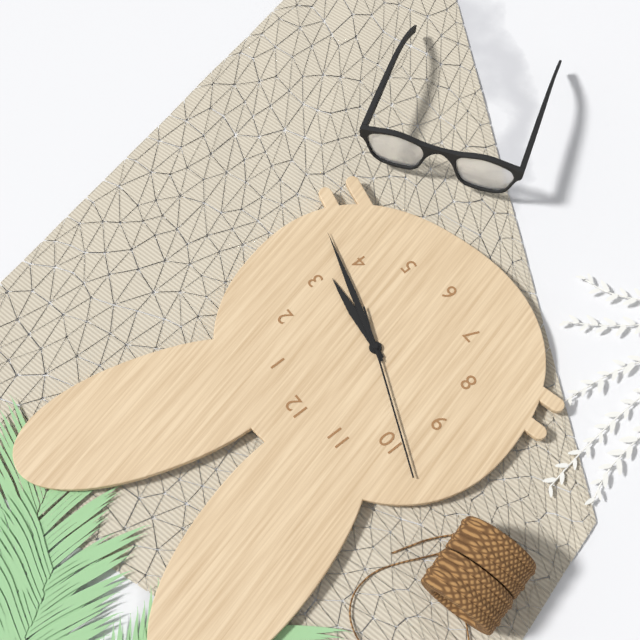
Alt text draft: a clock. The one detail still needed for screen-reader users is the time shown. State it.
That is 3:18:49
